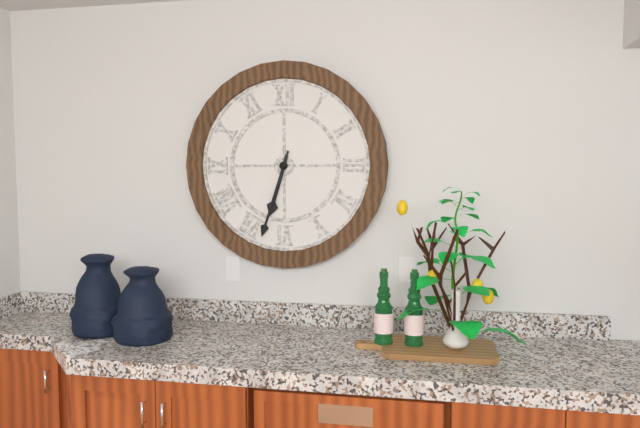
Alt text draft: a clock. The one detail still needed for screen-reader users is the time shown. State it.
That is 6:33
